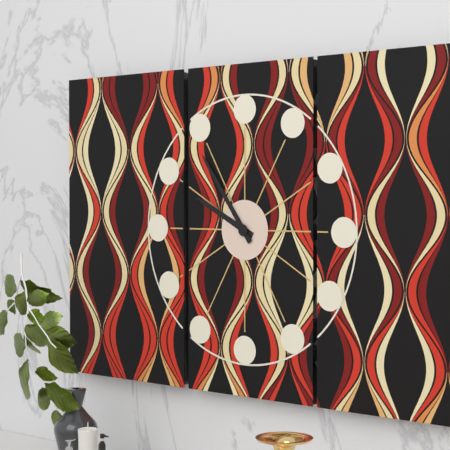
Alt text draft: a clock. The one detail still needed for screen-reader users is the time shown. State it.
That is 9:54
